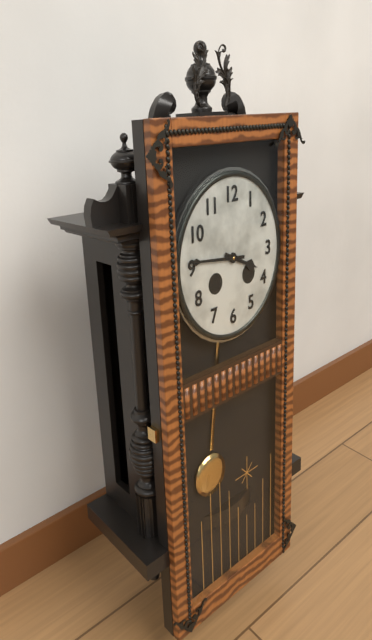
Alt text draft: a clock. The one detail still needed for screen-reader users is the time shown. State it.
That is 3:46
